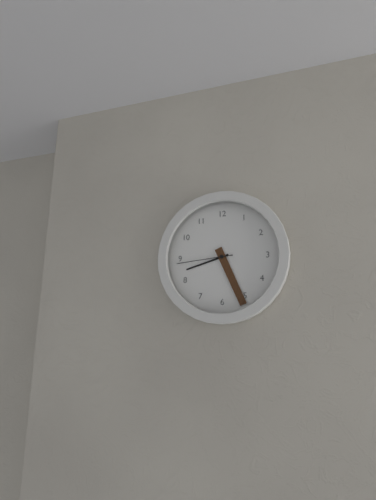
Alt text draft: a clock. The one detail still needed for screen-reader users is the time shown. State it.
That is 8:26:44
